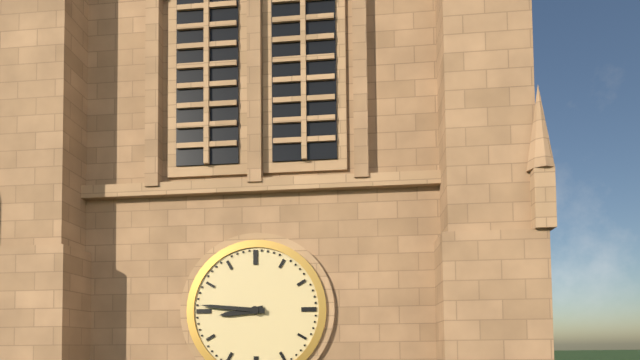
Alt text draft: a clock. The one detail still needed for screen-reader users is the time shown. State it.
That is 8:46
